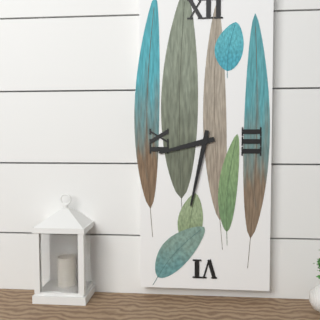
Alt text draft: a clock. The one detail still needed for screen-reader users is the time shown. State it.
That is 8:32
